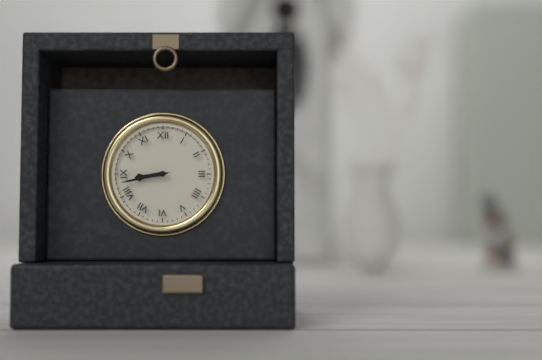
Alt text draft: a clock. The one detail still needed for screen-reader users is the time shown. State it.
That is 8:43
